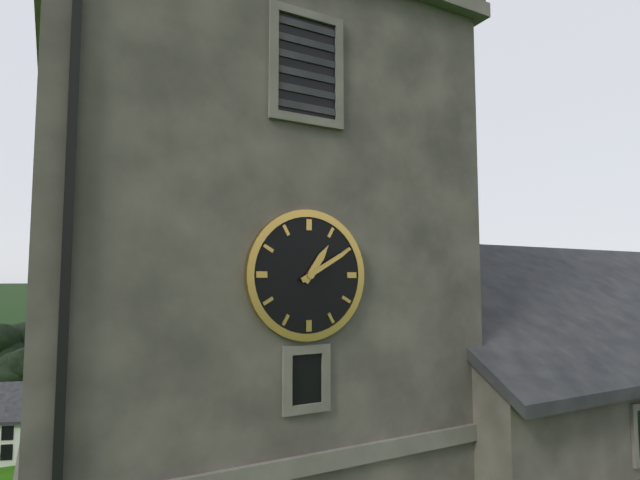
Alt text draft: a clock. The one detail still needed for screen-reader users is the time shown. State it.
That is 1:10
